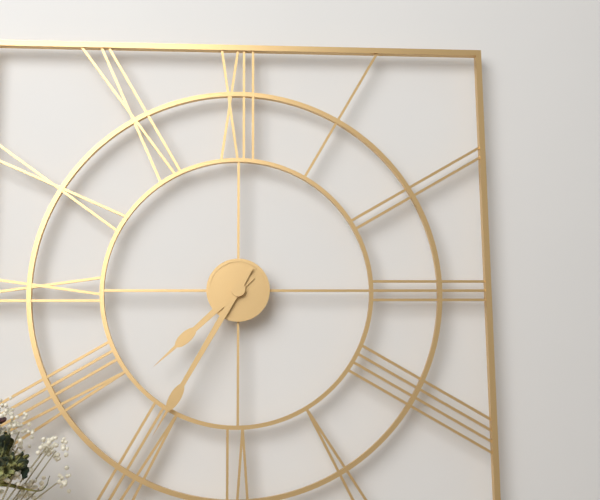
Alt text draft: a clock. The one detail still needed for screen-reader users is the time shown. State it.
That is 7:35
